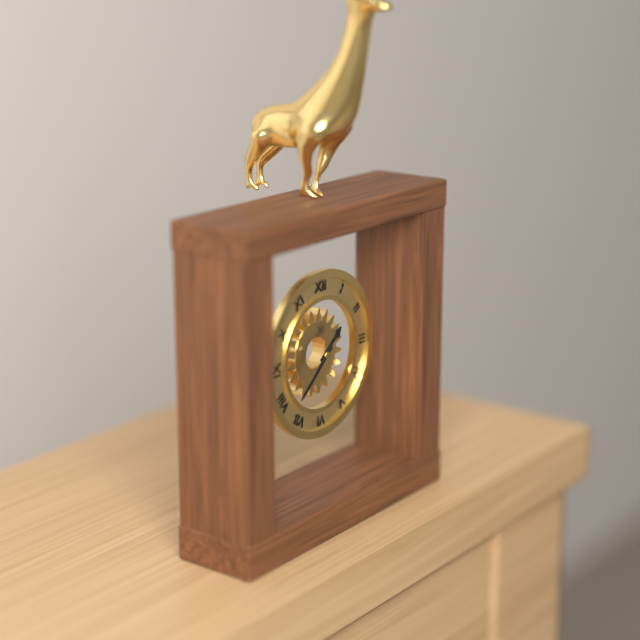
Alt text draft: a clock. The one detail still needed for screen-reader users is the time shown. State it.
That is 1:38
